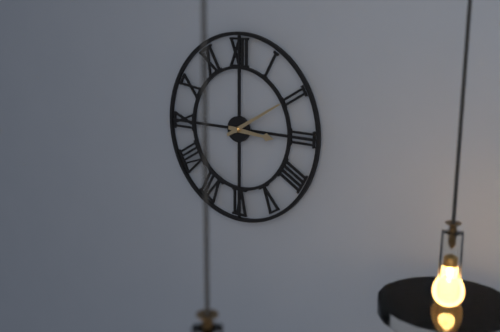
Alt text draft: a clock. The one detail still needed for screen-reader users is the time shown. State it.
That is 3:10
